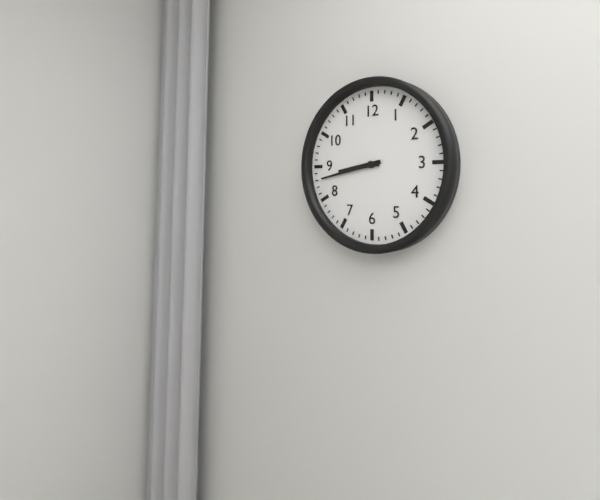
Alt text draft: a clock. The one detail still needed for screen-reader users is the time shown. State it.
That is 8:43
